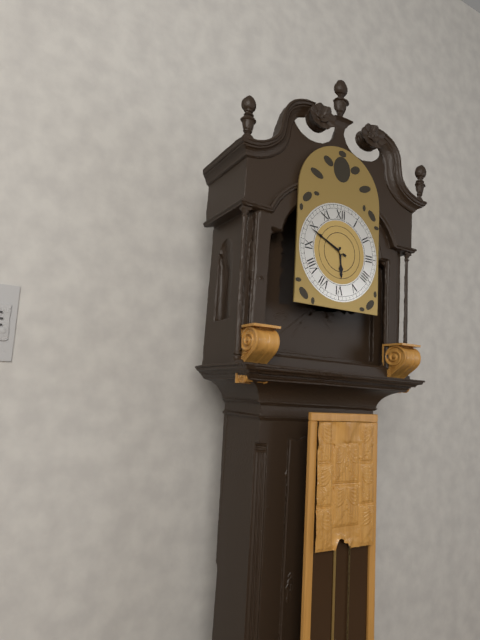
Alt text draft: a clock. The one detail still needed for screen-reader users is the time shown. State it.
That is 5:49
